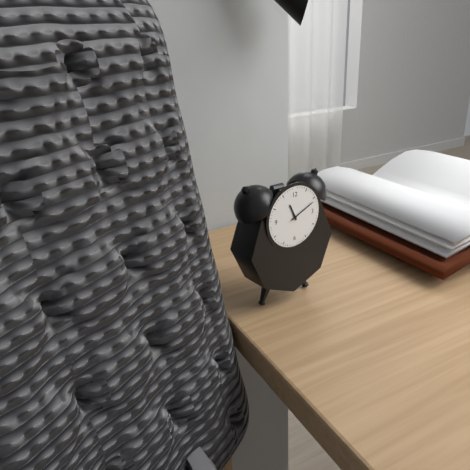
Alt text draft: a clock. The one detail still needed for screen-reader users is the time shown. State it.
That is 11:11
